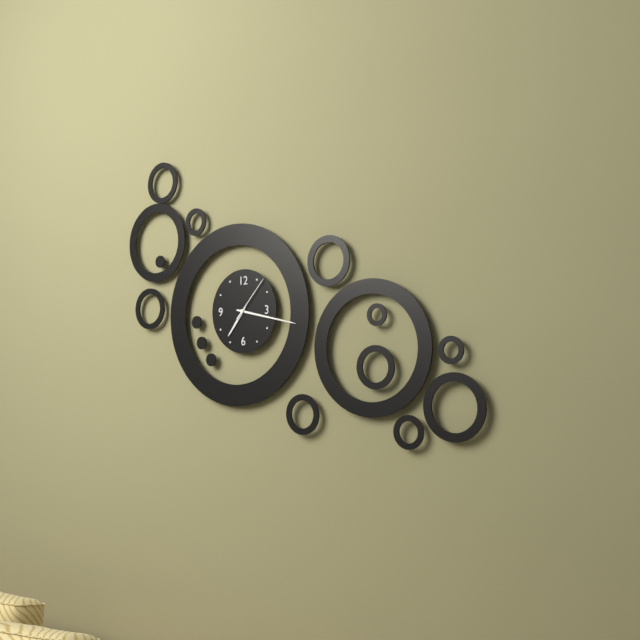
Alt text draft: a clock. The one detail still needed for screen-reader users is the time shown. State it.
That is 7:17:07
